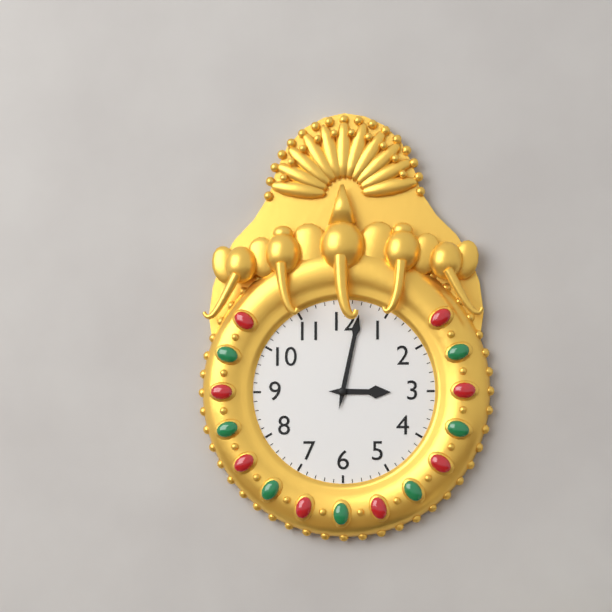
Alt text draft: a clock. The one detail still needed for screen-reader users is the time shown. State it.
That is 3:02
